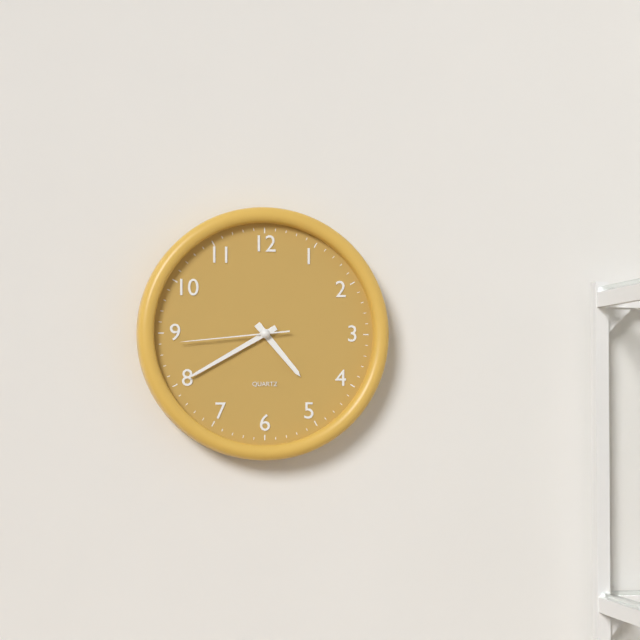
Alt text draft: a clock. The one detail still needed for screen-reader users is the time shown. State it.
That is 4:40:44
